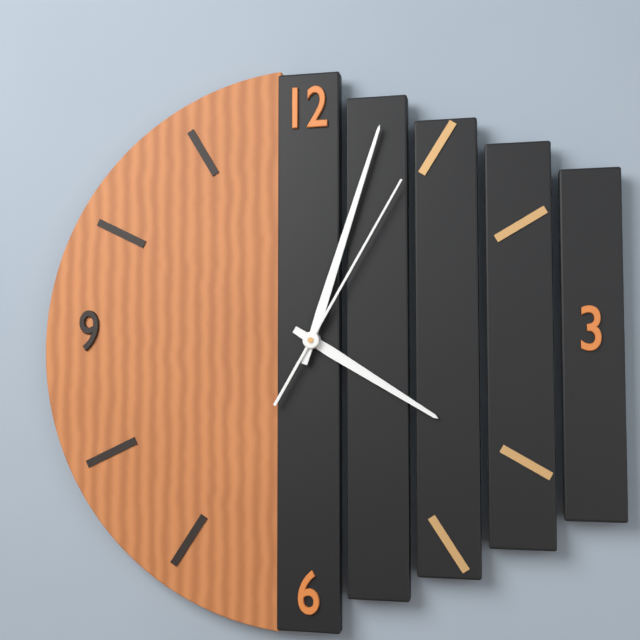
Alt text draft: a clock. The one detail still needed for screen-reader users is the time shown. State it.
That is 4:03:05
